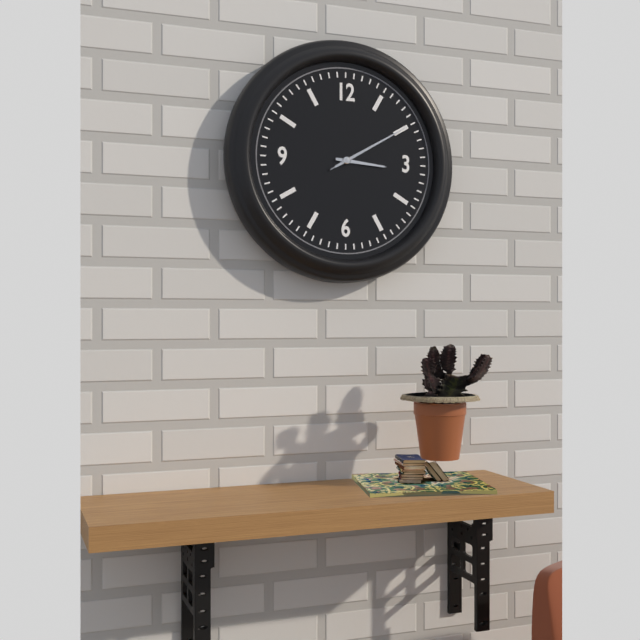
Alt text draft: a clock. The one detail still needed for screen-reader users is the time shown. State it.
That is 3:10:10
